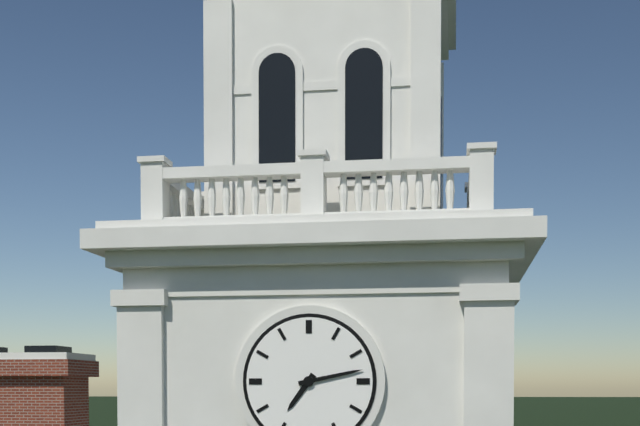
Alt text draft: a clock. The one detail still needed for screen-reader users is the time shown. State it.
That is 7:13
